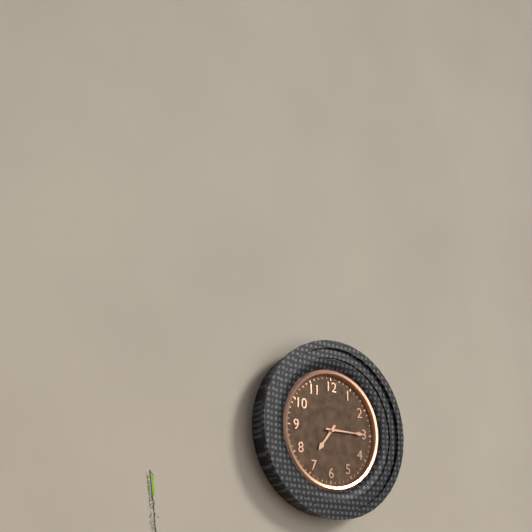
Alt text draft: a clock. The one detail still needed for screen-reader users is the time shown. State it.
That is 7:15
